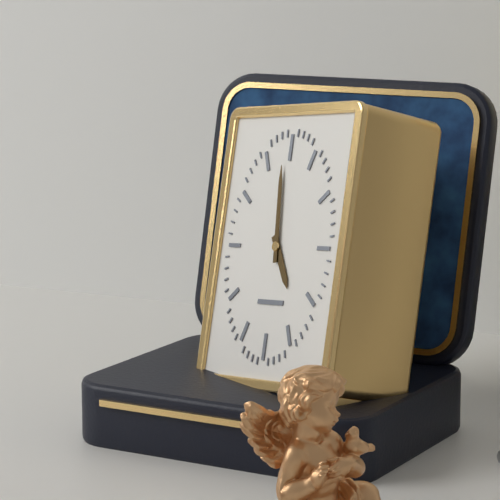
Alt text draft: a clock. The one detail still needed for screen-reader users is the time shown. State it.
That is 4:59
